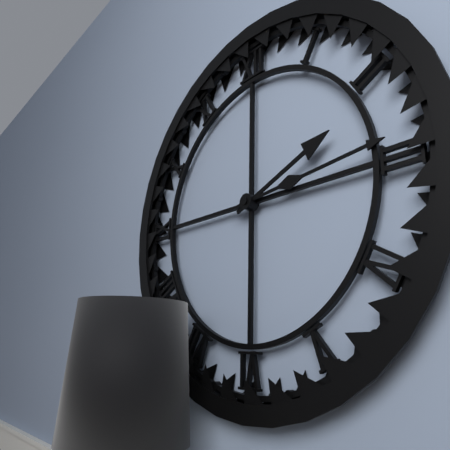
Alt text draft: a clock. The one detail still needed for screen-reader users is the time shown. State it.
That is 2:14
